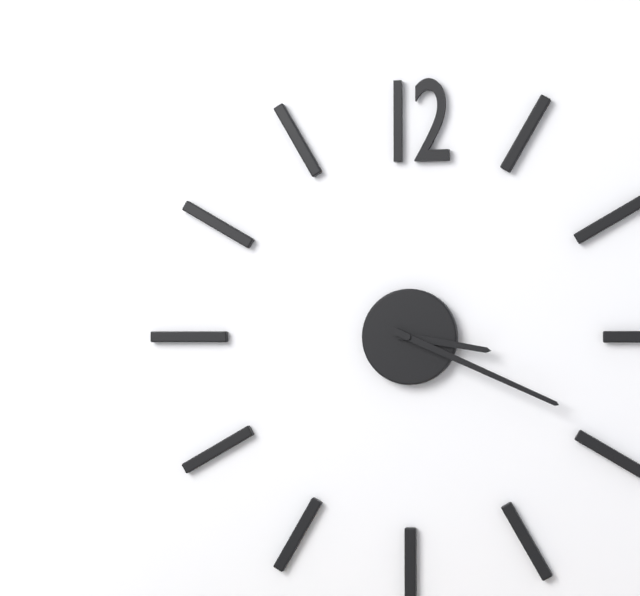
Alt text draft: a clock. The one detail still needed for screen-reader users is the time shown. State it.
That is 3:19
